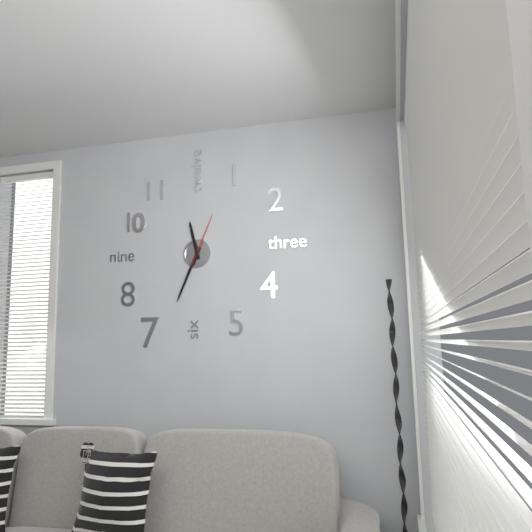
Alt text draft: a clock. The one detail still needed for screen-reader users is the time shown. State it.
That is 11:34:04
